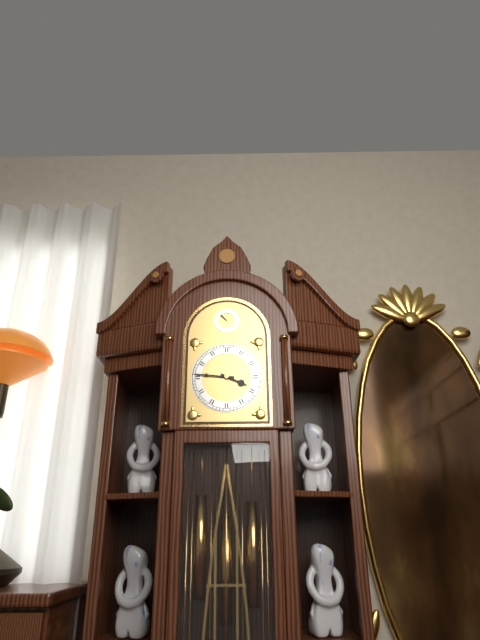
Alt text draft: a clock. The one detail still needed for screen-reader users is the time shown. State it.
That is 3:46
